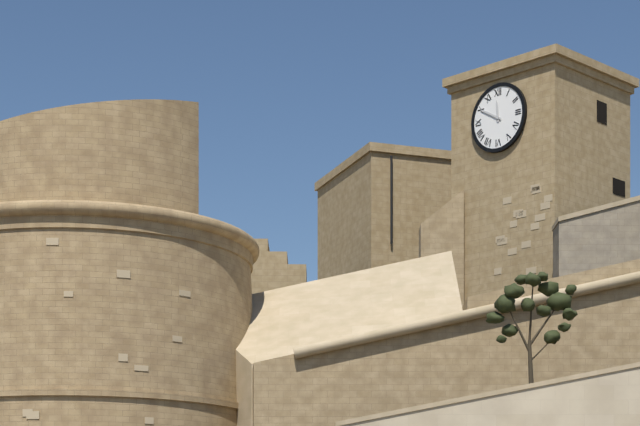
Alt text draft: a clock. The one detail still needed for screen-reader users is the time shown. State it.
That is 11:50
